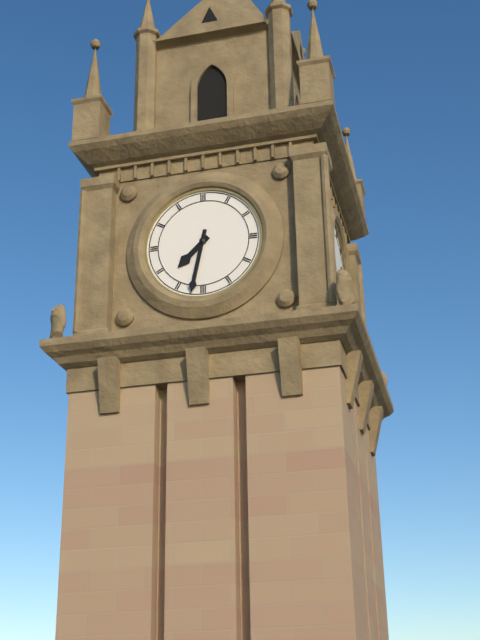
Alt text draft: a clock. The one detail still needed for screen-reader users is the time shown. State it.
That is 7:32
